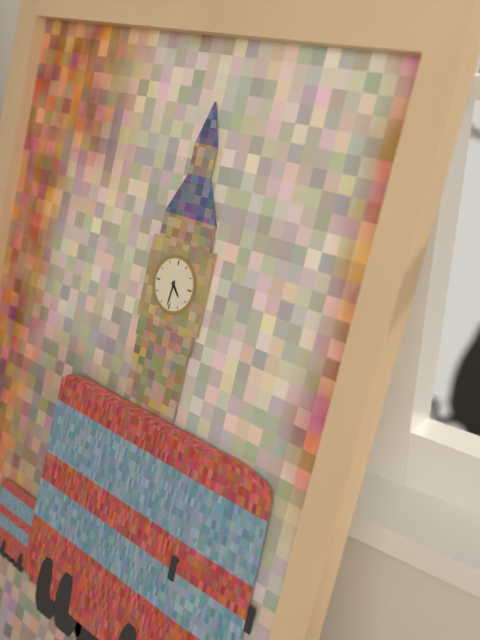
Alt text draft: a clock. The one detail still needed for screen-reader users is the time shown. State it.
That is 4:31
